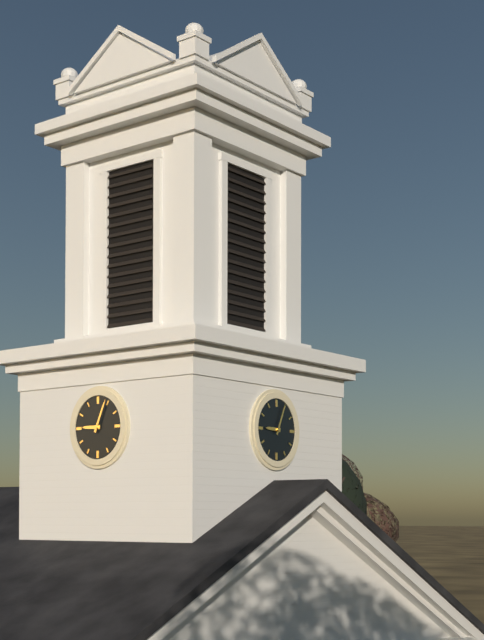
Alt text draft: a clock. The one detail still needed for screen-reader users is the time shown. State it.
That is 9:04
